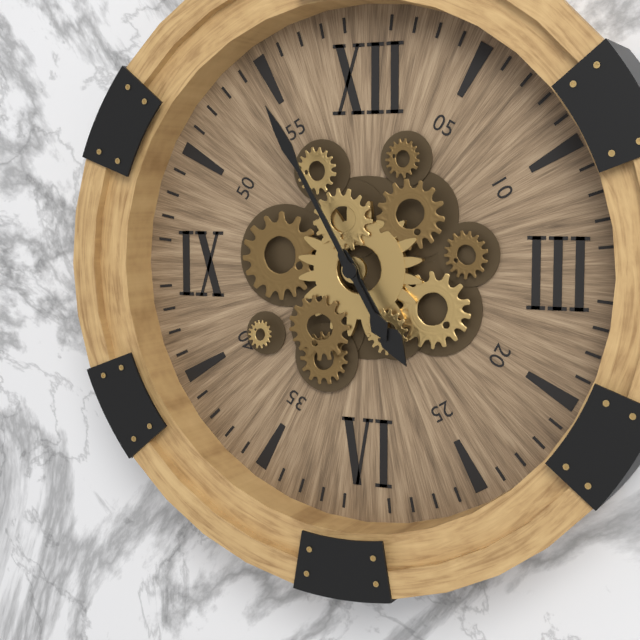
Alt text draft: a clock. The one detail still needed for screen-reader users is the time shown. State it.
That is 4:55
